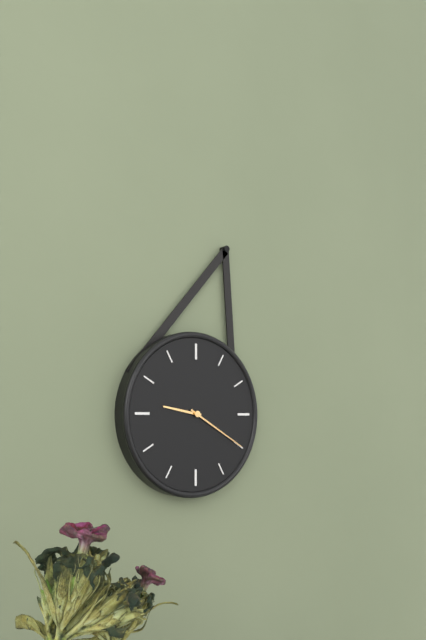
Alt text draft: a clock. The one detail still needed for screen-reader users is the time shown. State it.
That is 9:20
